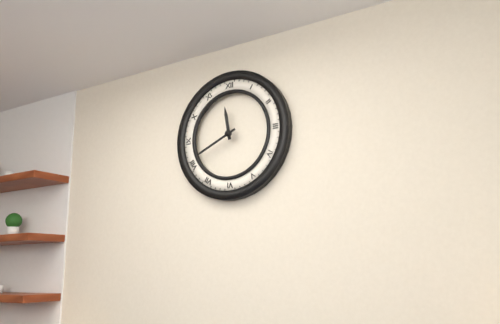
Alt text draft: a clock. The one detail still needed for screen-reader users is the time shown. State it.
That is 11:41
